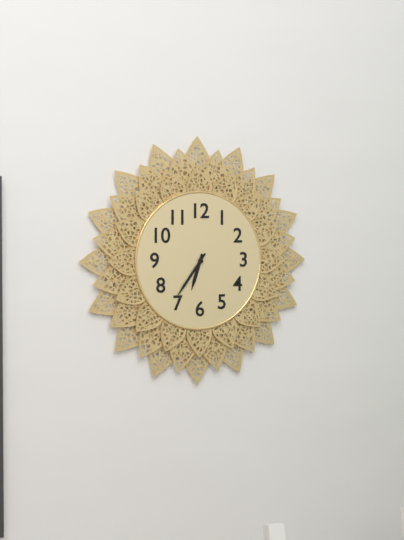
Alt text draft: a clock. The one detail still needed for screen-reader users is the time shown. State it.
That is 6:36
